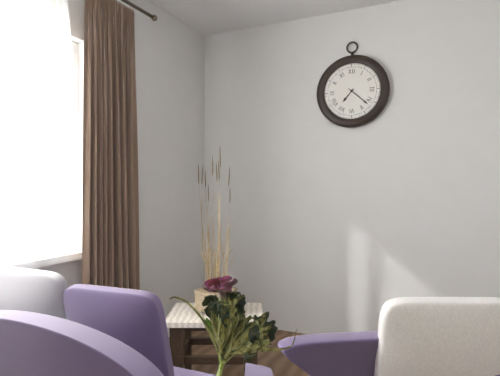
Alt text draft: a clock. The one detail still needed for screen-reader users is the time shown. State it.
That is 7:22
